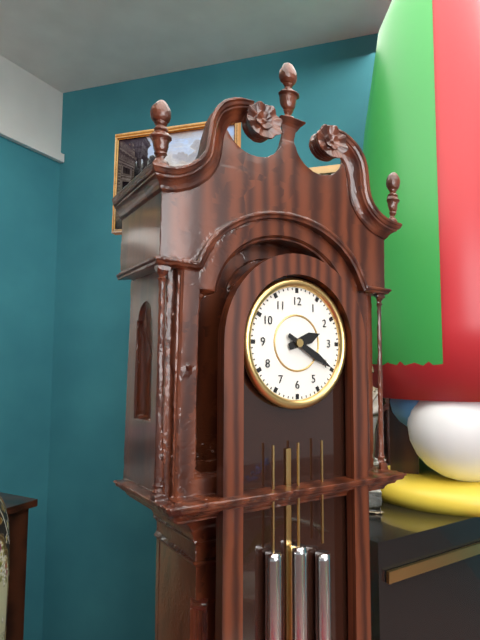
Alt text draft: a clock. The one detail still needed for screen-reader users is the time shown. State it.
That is 2:20
